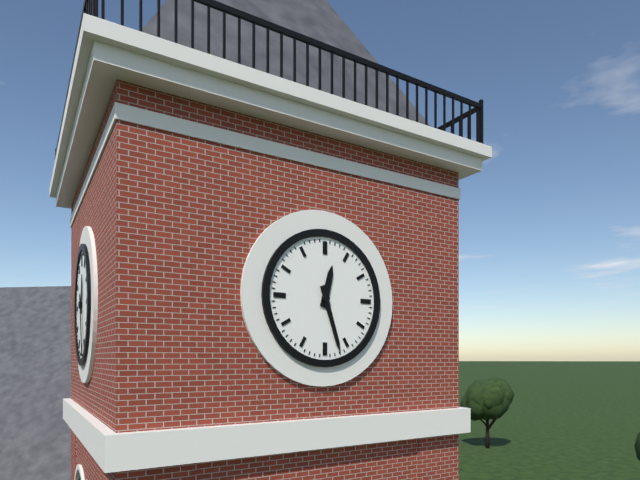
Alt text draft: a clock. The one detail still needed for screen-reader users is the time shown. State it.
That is 12:27
